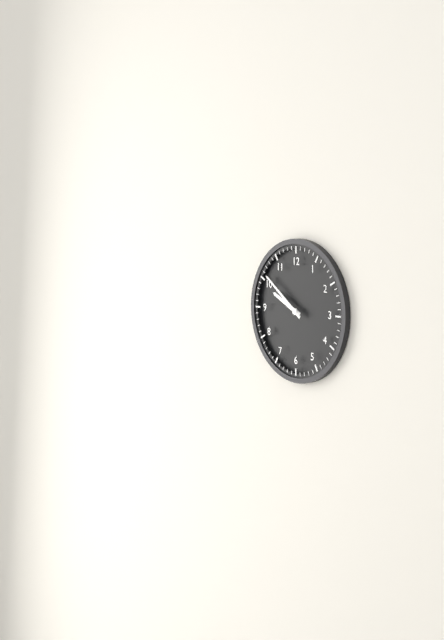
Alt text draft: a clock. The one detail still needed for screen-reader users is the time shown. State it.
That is 9:51
